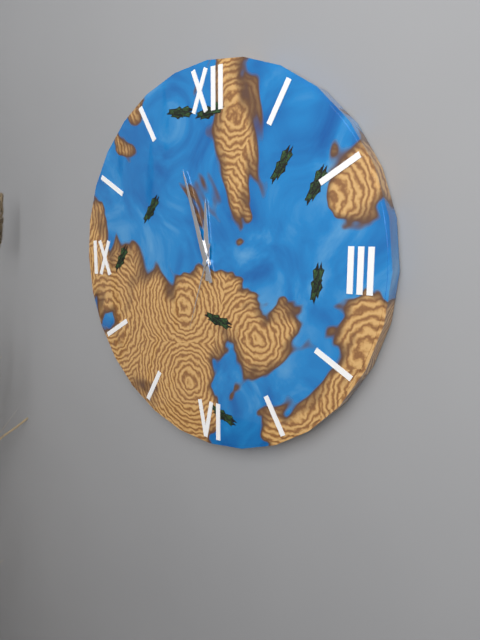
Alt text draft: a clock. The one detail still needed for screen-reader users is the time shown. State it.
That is 11:57:33
